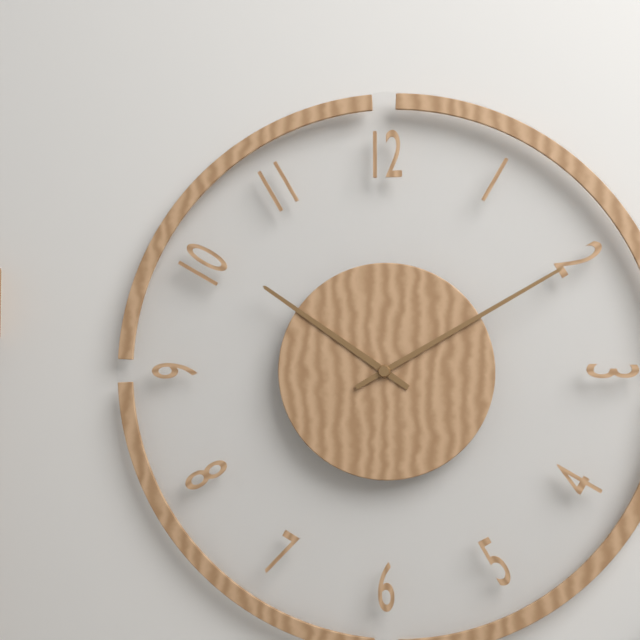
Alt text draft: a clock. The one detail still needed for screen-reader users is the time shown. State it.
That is 10:10
